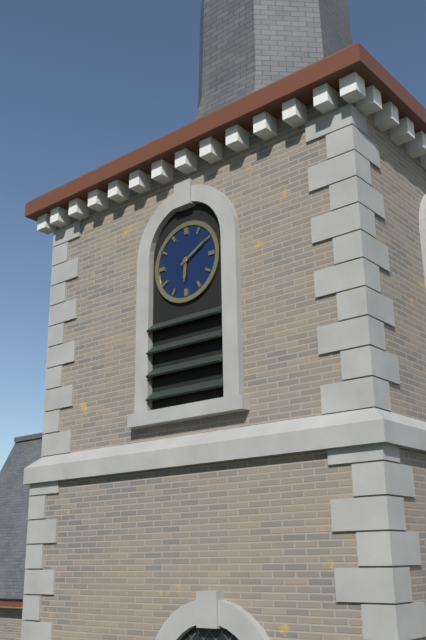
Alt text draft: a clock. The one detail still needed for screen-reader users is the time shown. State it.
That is 6:10
